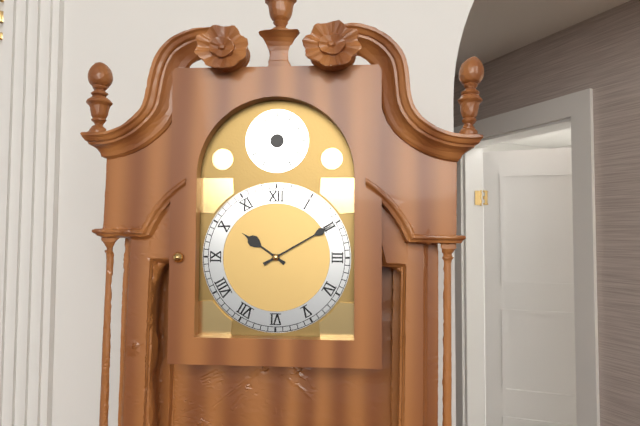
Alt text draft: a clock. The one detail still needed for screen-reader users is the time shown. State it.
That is 10:10
